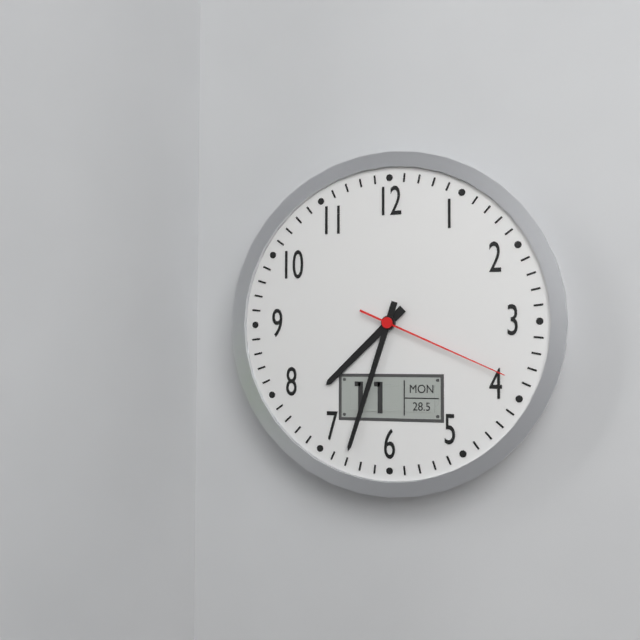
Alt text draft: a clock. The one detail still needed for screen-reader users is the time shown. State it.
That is 7:33:19
